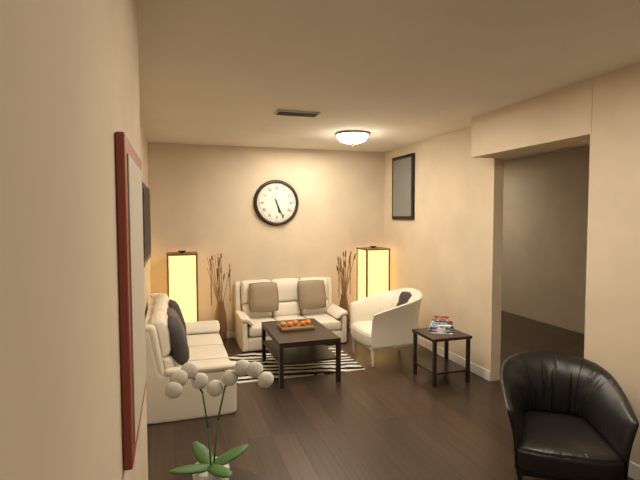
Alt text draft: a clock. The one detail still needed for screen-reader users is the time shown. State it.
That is 5:26
